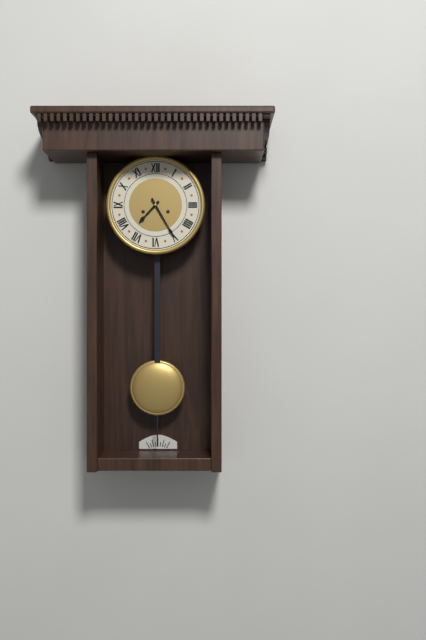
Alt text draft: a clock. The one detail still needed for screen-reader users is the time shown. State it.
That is 7:25
